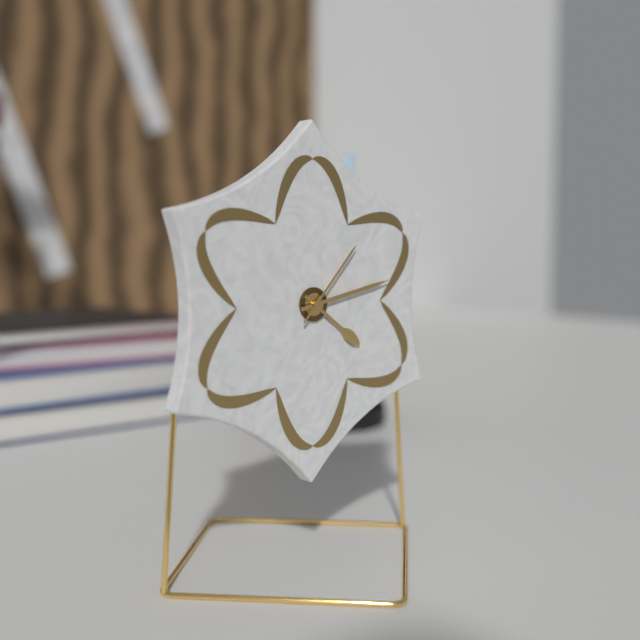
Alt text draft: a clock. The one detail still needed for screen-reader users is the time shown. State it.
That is 4:13:07
